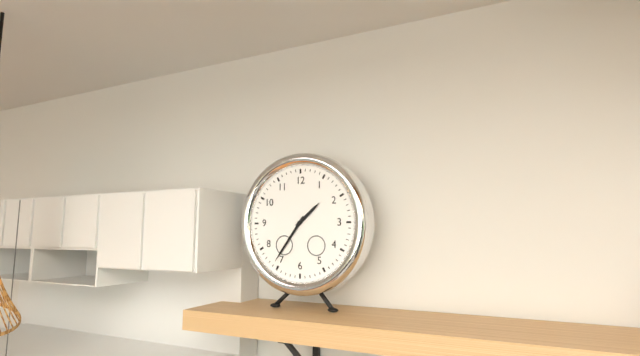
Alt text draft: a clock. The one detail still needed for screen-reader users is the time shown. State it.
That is 1:36
